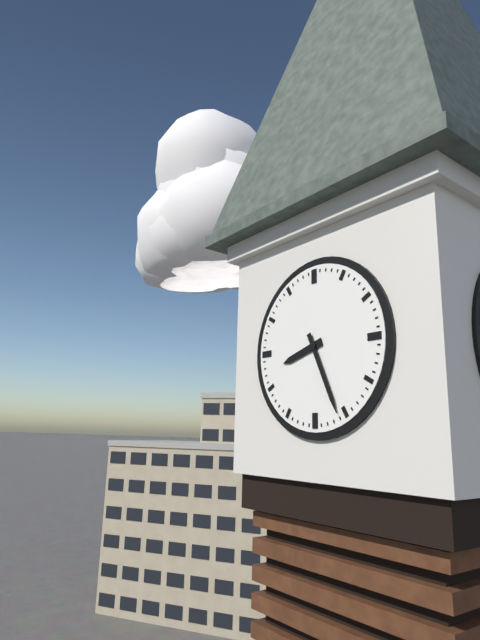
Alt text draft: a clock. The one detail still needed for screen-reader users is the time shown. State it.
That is 8:26
